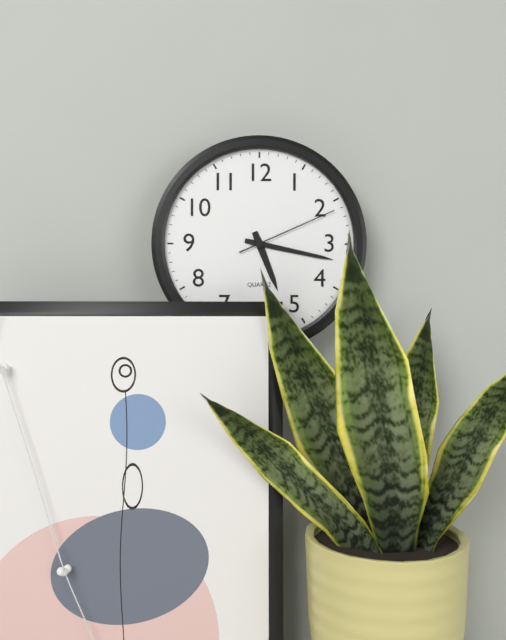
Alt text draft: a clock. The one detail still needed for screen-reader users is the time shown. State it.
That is 5:17:11
